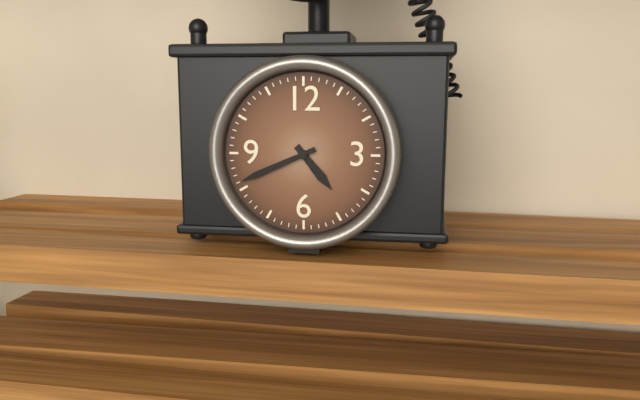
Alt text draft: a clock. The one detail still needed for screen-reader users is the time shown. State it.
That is 4:41
